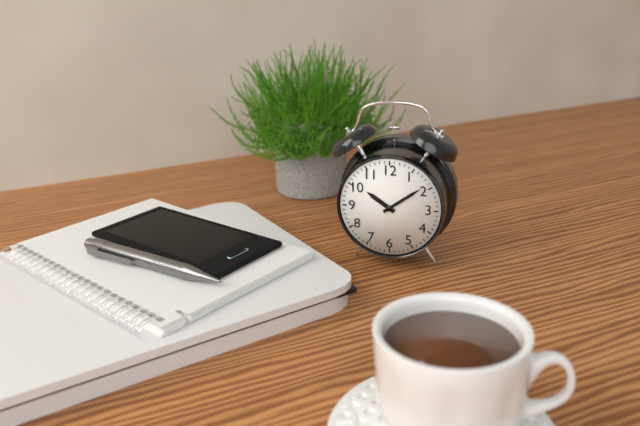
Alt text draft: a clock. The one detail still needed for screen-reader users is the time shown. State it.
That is 10:09
